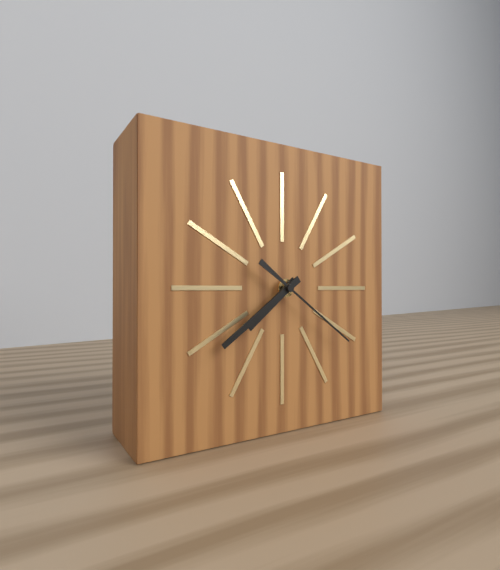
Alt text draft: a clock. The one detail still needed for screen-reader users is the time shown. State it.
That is 7:39:21
